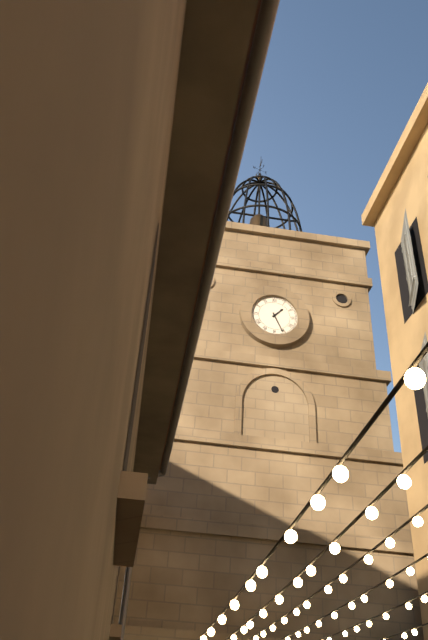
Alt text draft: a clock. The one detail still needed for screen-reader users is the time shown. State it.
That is 1:26
